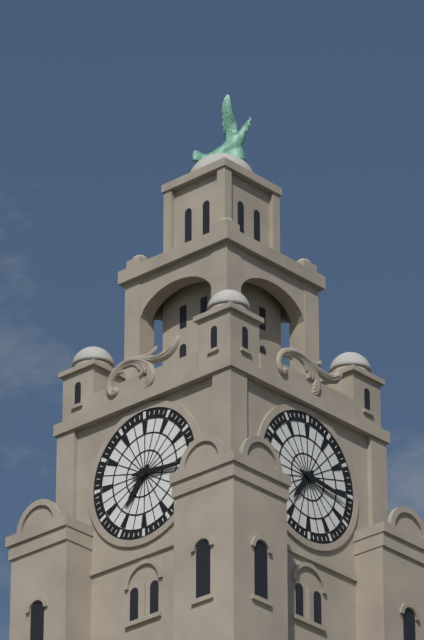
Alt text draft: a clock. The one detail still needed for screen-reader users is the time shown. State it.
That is 7:16
